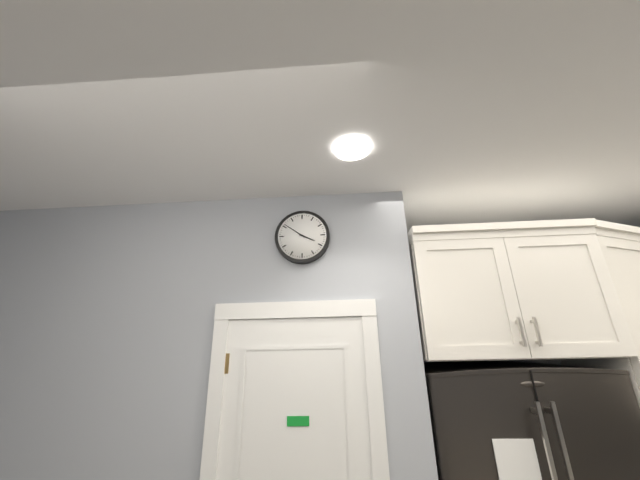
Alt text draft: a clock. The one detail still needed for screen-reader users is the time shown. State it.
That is 3:51
